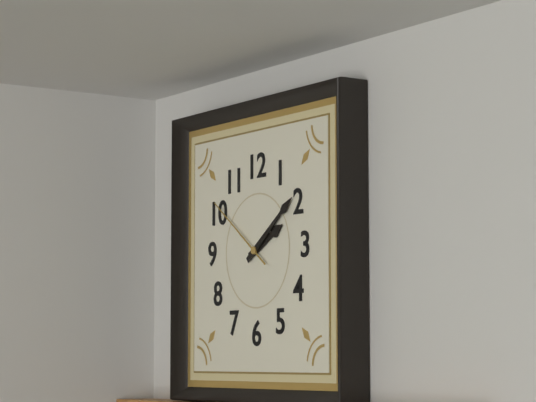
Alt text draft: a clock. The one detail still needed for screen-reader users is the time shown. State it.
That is 2:09:51
